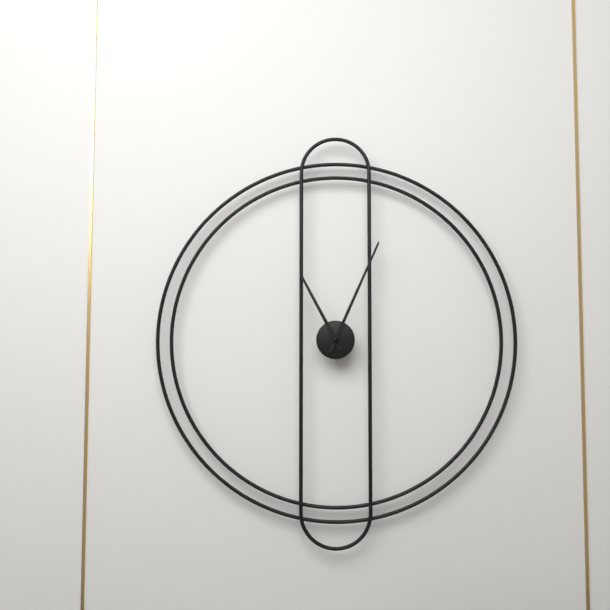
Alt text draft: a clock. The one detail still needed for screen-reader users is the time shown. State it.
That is 11:04
